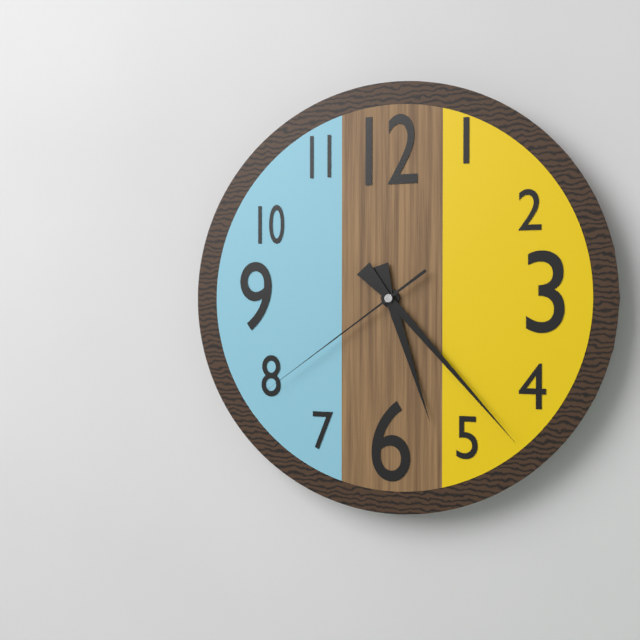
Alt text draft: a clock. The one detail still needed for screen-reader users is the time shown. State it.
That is 5:23:39
